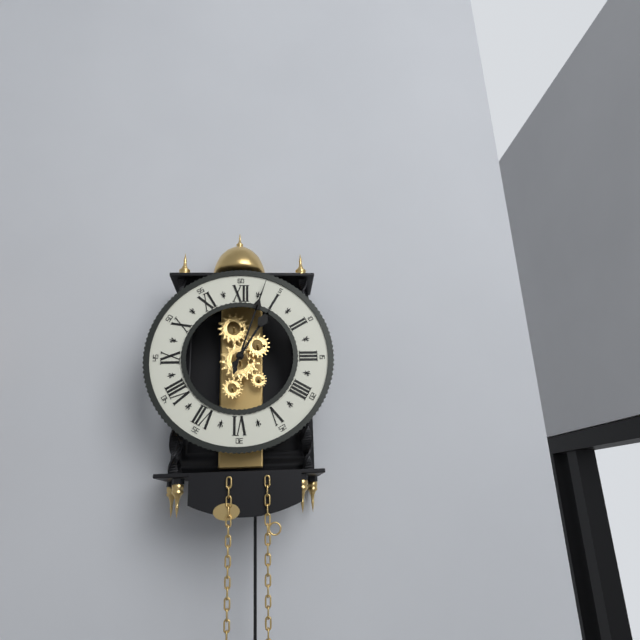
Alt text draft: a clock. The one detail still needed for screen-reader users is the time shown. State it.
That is 1:03
